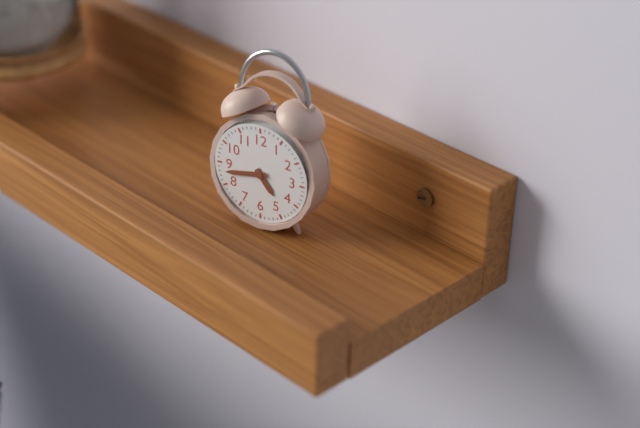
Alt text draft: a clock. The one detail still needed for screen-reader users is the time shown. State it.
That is 4:43
